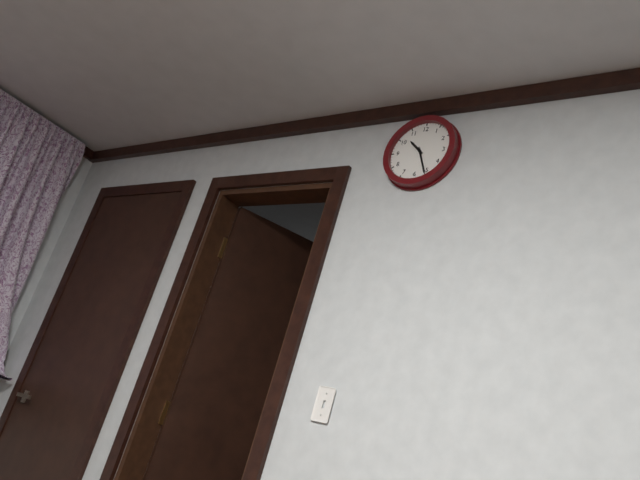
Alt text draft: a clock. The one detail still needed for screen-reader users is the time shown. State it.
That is 10:26
